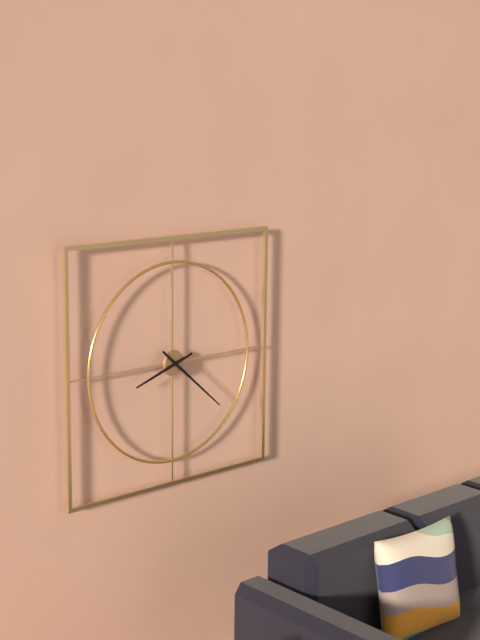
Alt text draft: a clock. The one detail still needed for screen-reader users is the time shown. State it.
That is 8:22
